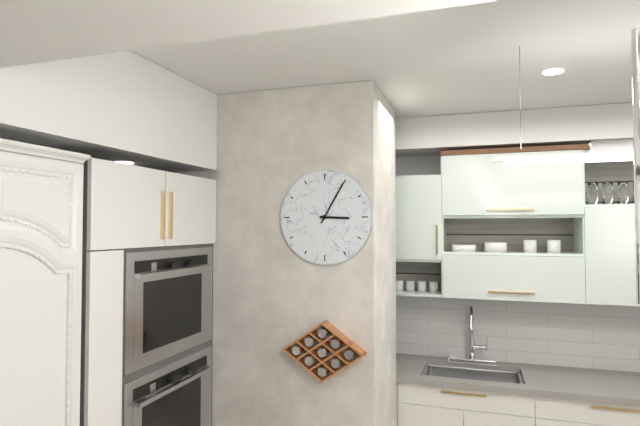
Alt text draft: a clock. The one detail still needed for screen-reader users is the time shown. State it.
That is 3:05
